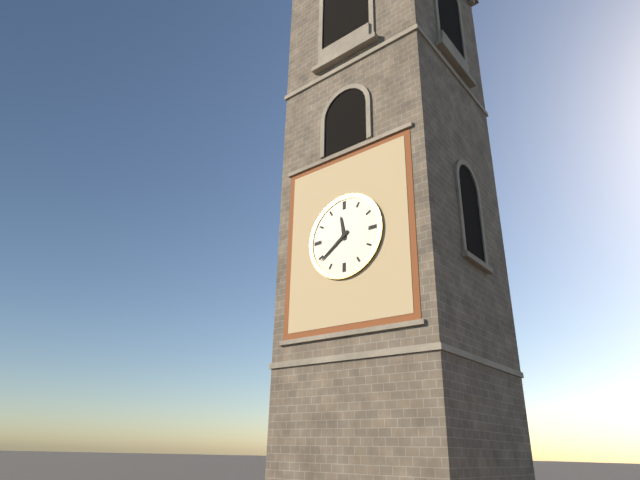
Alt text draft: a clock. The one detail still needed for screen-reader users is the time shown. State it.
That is 11:39
